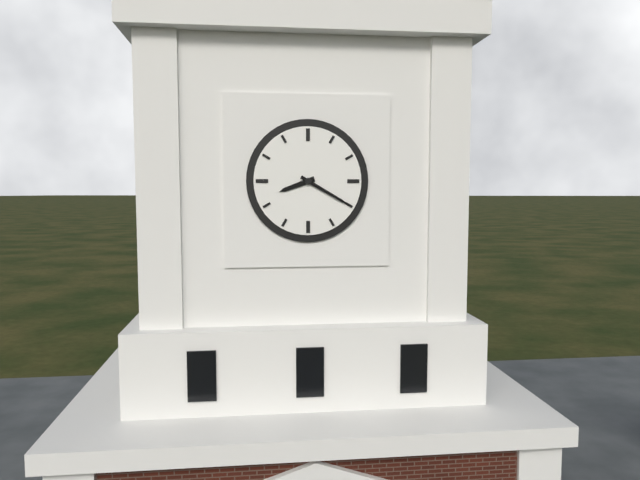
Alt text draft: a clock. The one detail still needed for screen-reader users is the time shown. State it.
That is 8:20
